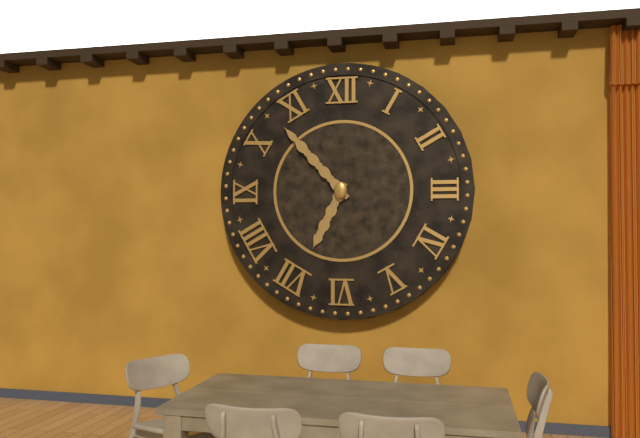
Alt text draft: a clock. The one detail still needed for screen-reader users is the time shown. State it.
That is 6:53
